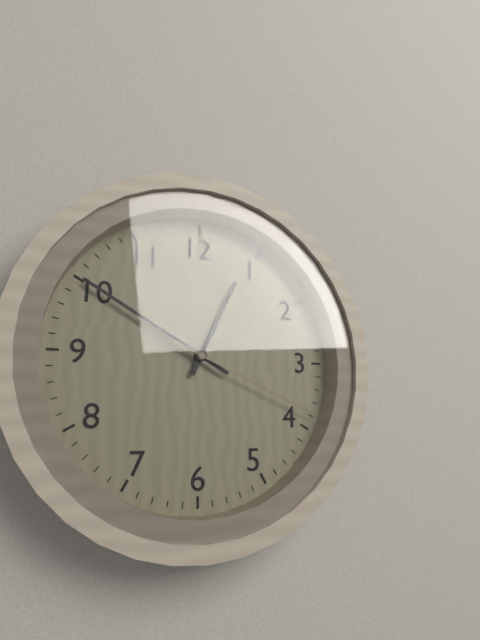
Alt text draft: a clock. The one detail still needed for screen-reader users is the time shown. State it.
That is 12:50:19
